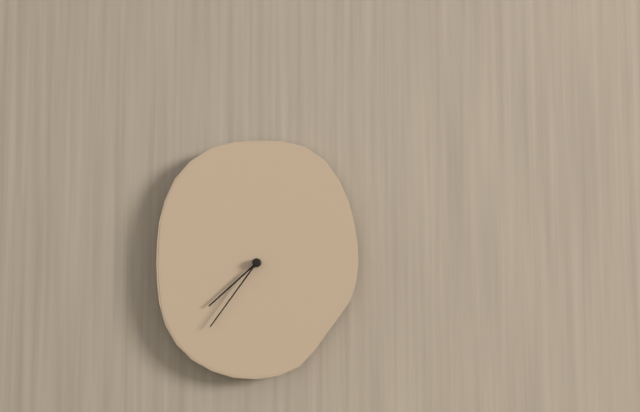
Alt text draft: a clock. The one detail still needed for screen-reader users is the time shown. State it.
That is 7:36
